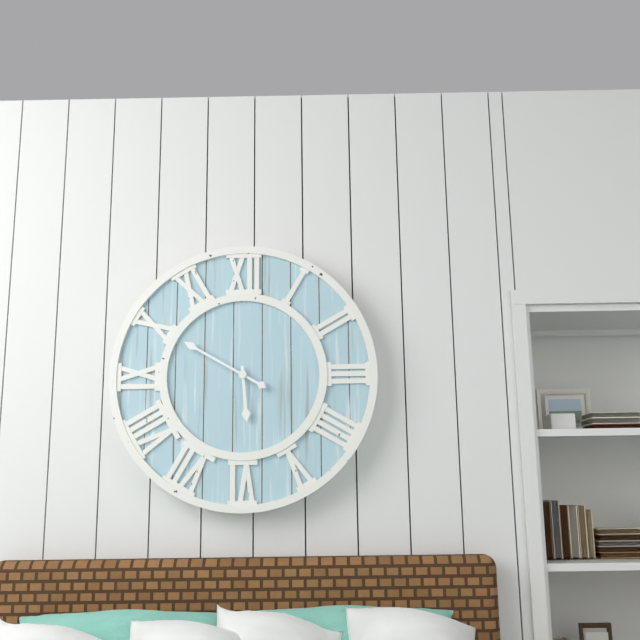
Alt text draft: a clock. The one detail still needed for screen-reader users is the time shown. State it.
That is 5:50
